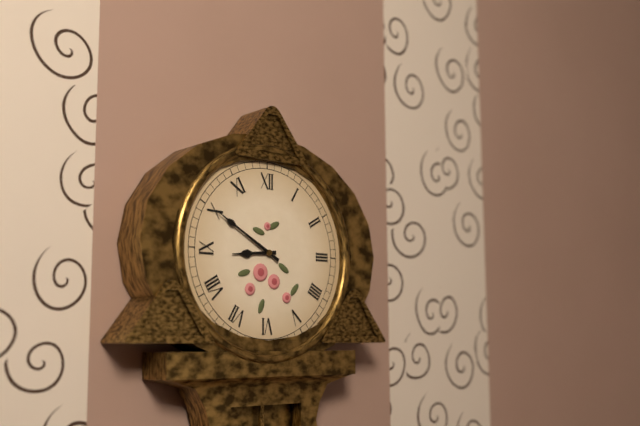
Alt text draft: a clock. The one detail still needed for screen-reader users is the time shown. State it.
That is 8:50
